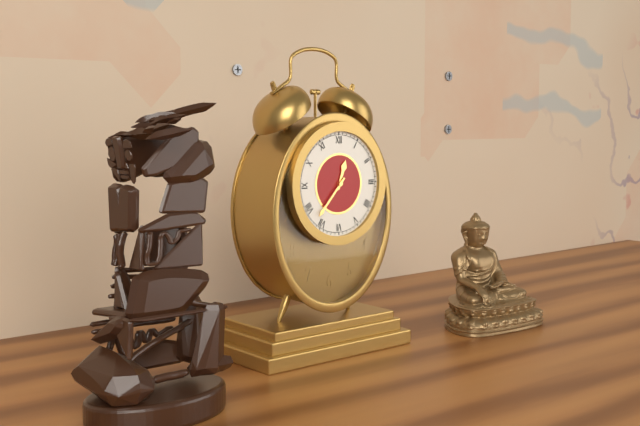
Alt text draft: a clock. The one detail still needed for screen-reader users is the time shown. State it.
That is 12:37
